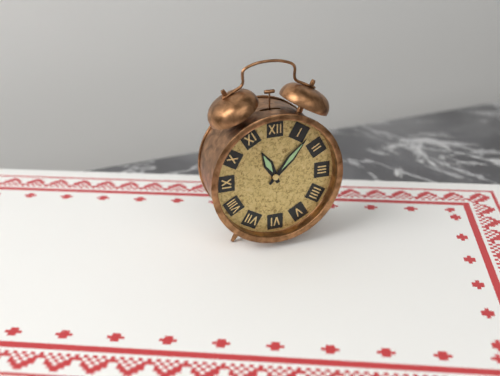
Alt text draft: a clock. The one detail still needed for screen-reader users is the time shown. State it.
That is 11:07
